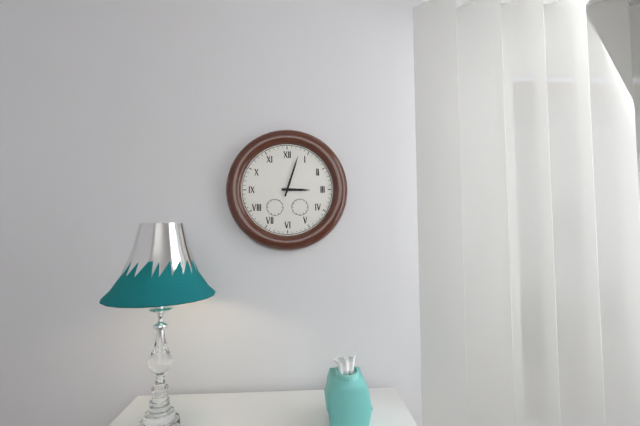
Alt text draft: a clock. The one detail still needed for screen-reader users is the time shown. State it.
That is 3:03
